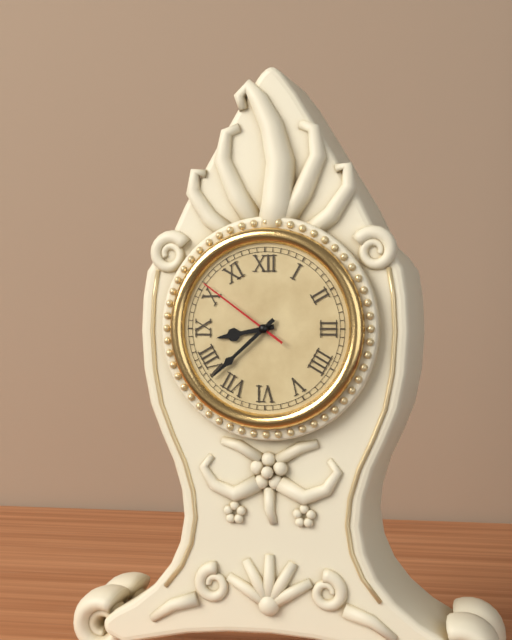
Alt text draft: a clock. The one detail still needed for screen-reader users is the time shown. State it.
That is 8:38:51
